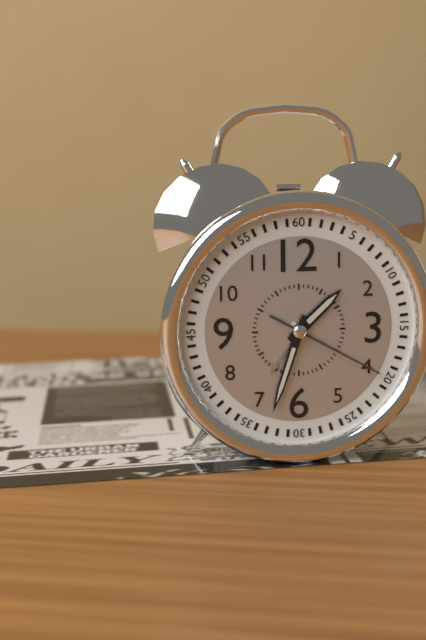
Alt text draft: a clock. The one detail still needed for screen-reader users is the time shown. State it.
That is 1:33:20
